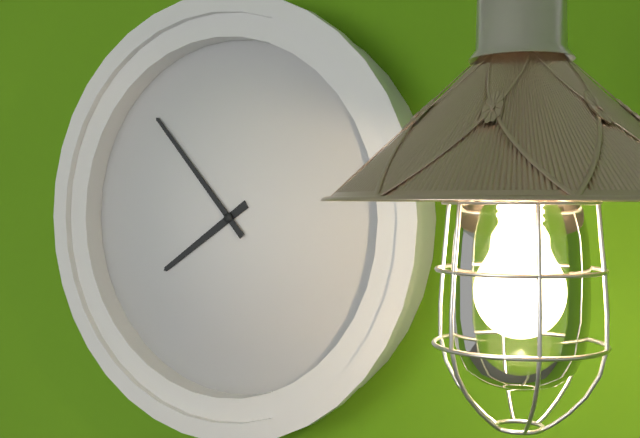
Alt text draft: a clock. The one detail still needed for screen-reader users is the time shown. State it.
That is 7:53
